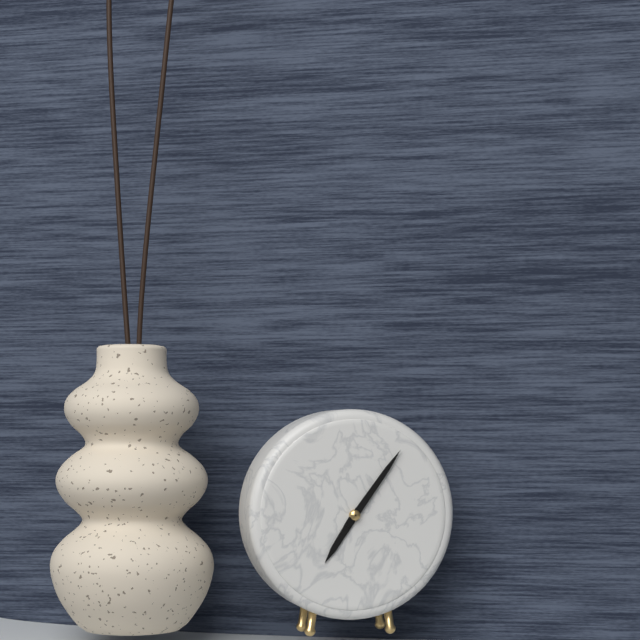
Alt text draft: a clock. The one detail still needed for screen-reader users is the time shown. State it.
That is 7:06
